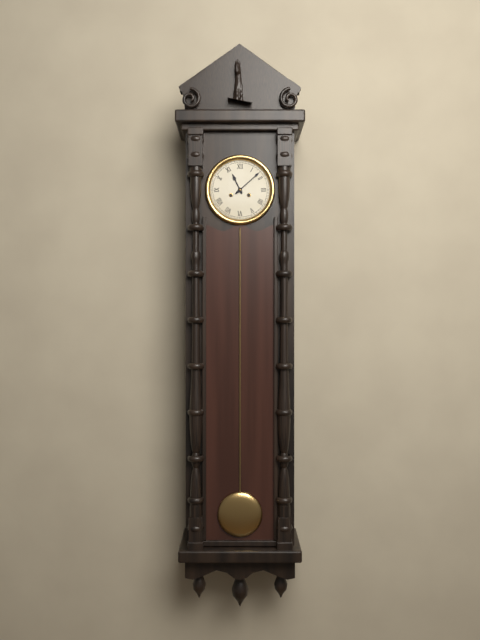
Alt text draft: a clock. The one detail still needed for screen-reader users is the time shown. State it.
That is 11:08
